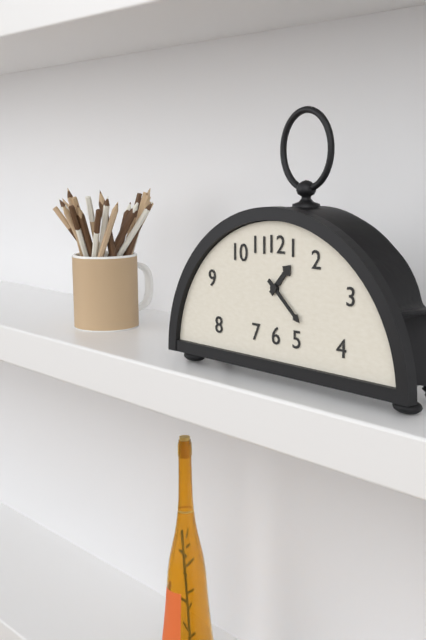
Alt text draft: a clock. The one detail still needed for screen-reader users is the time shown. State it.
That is 1:22
